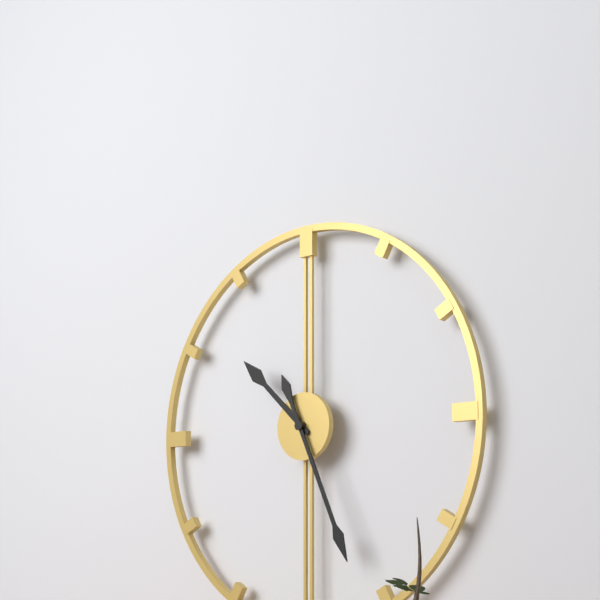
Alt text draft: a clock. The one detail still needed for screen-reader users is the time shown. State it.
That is 10:26
